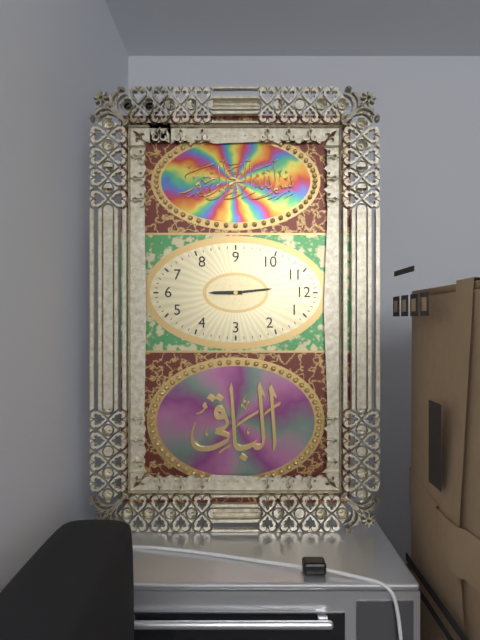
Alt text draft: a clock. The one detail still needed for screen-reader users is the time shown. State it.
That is 5:59
